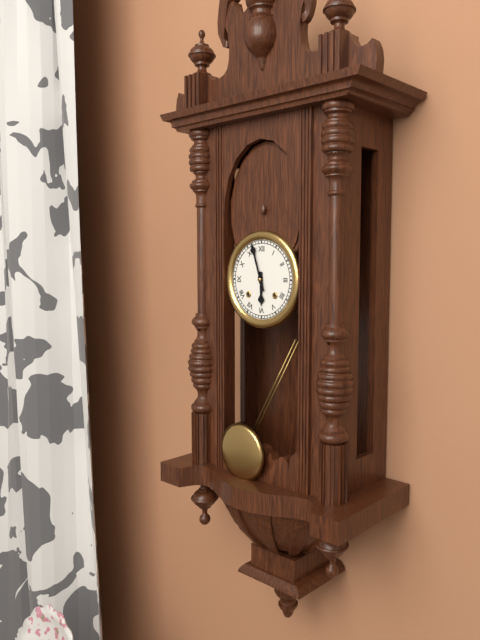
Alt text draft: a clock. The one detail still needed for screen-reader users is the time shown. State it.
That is 5:57
